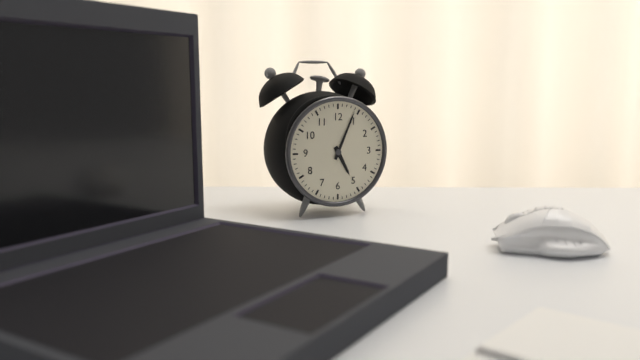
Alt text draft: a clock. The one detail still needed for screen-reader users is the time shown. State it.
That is 5:04
